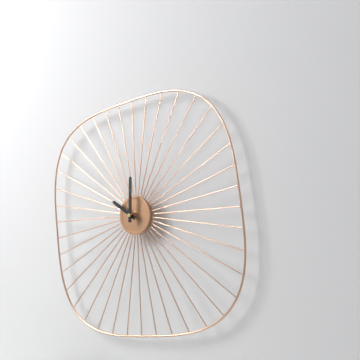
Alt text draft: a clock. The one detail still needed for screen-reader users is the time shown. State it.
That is 10:00
